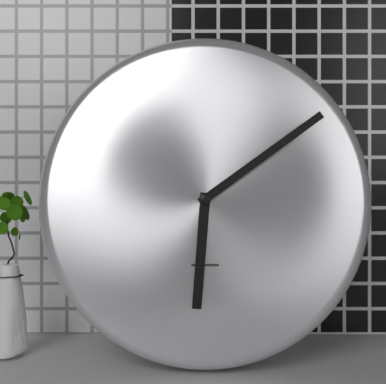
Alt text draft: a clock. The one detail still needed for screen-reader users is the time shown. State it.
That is 6:09
